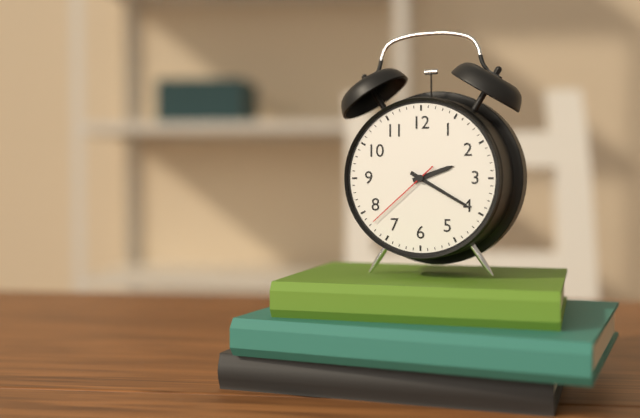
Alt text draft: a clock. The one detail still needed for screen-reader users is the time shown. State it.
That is 2:20:38
